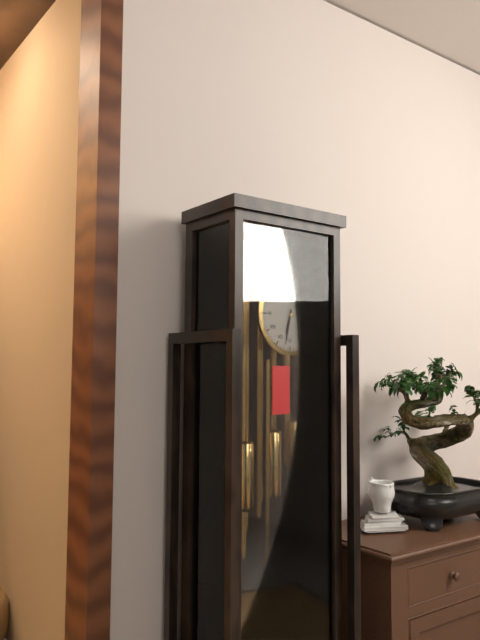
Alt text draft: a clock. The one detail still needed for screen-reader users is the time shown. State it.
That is 6:32
